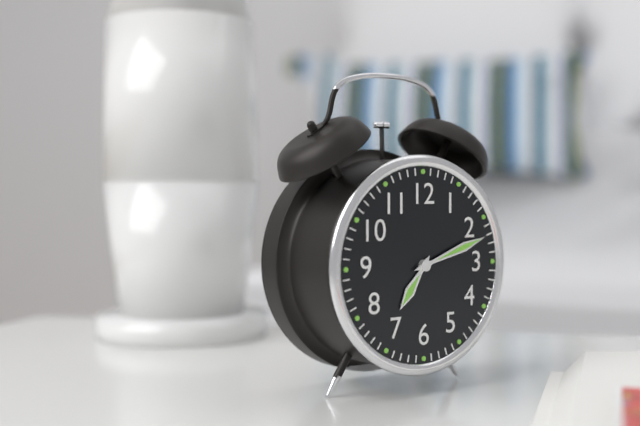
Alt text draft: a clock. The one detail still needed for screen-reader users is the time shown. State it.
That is 7:12
